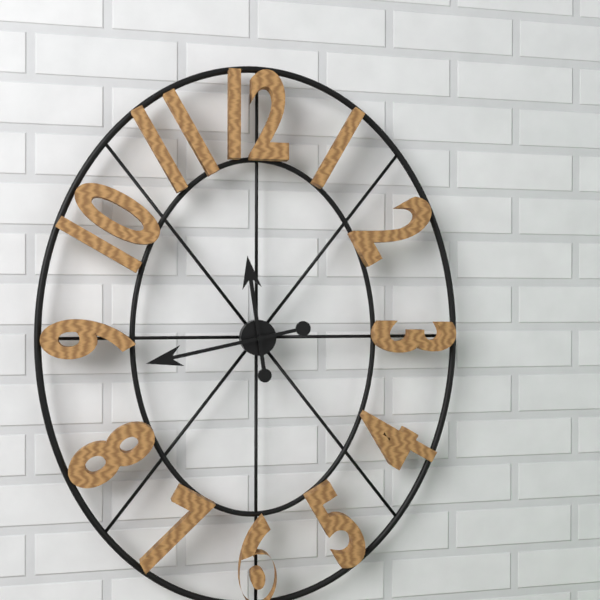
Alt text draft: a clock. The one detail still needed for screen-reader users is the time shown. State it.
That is 11:43
